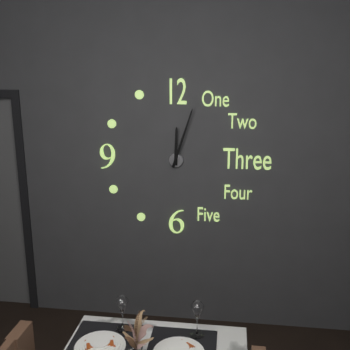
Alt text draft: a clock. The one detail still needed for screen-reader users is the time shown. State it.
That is 12:03
